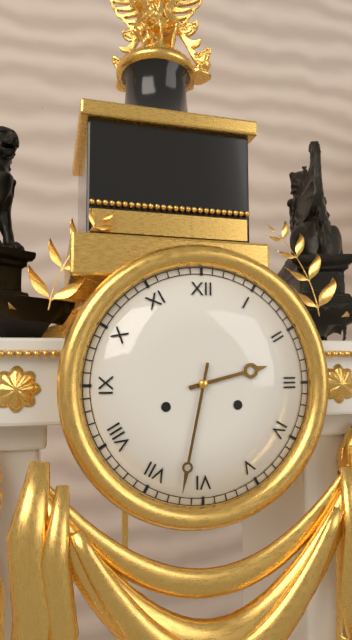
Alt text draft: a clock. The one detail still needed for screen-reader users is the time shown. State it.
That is 2:32
